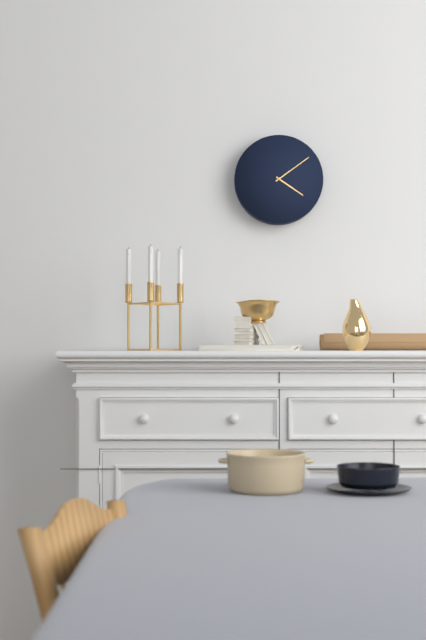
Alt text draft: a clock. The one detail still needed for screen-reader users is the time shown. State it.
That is 4:09
